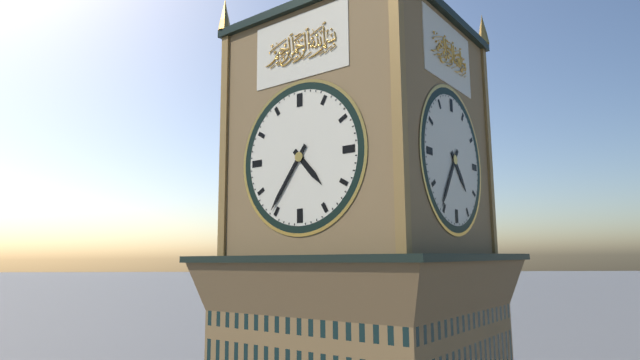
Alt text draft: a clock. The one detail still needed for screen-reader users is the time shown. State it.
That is 4:36
